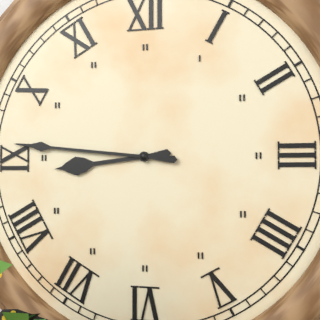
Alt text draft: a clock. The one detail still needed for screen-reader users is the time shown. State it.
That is 8:46
